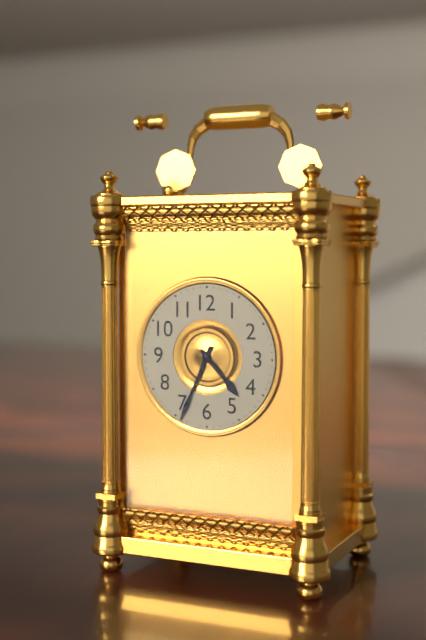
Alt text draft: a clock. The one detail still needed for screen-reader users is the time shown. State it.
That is 4:34
